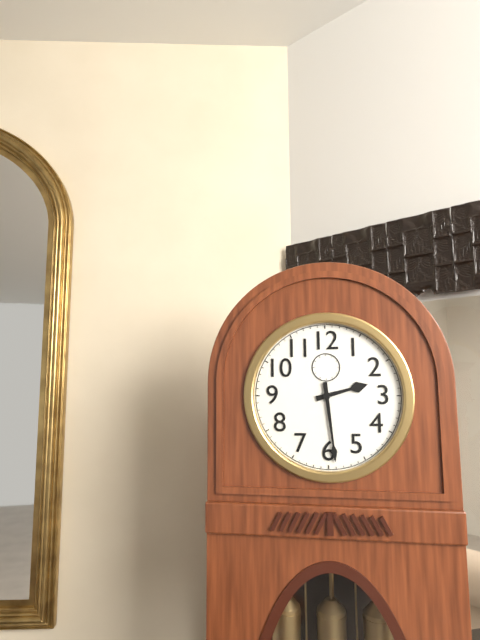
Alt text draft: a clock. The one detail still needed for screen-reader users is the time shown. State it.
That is 2:29
